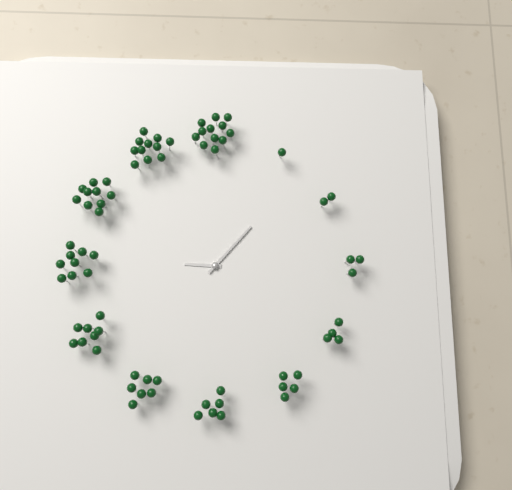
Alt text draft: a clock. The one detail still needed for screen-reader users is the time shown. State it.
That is 9:07
